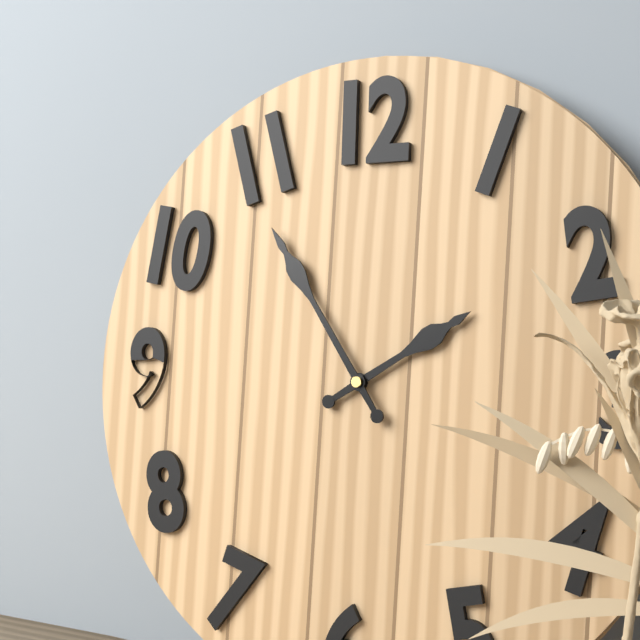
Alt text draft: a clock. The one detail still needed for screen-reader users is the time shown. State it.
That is 1:54
